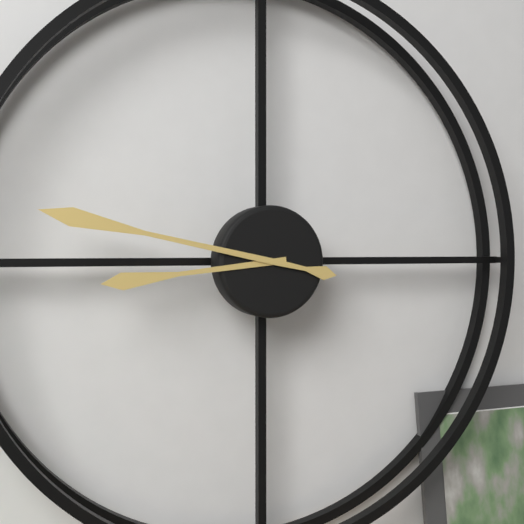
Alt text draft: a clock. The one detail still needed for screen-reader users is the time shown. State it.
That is 8:47
